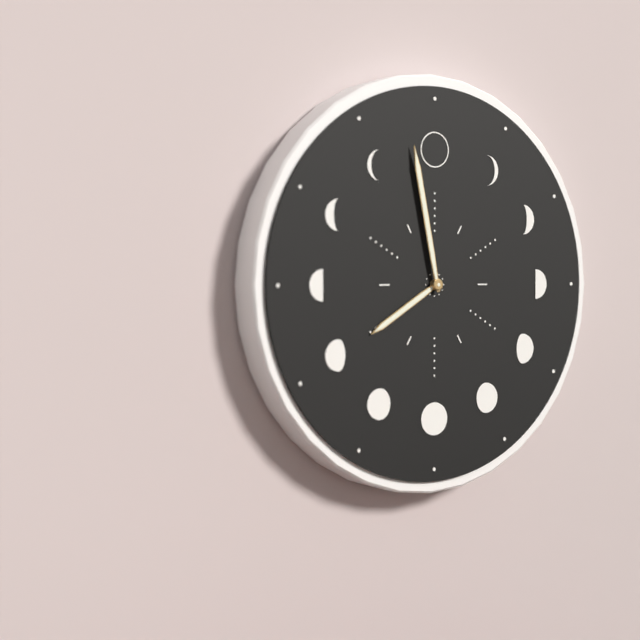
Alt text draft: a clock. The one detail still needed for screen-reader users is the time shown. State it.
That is 7:58
